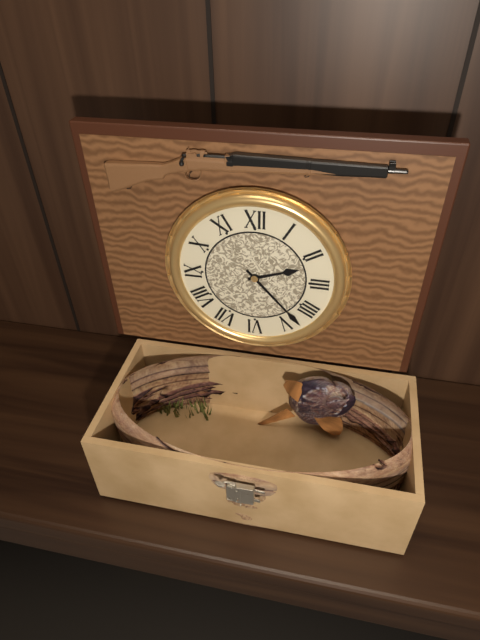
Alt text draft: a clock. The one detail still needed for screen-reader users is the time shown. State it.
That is 2:23
